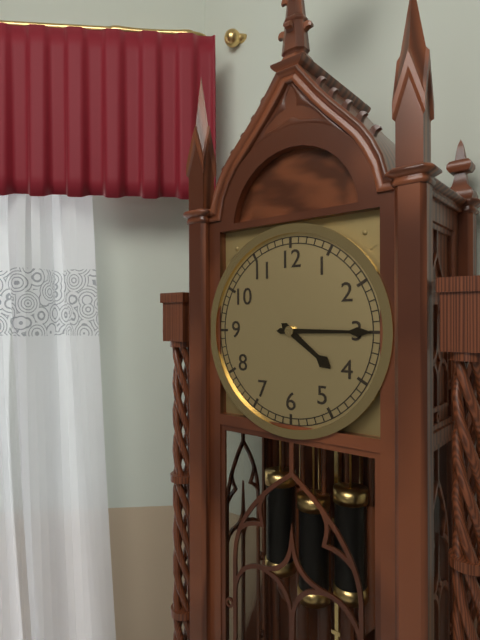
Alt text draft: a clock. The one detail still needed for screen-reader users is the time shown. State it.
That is 4:15
